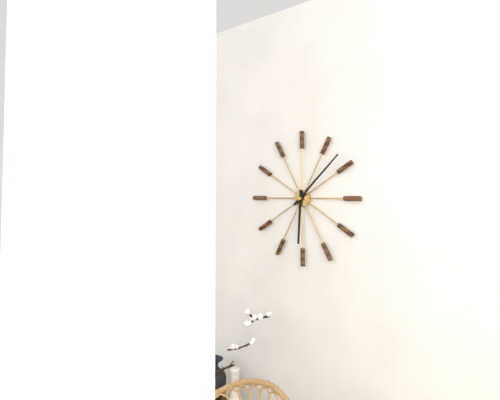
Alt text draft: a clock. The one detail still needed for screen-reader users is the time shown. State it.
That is 6:08
